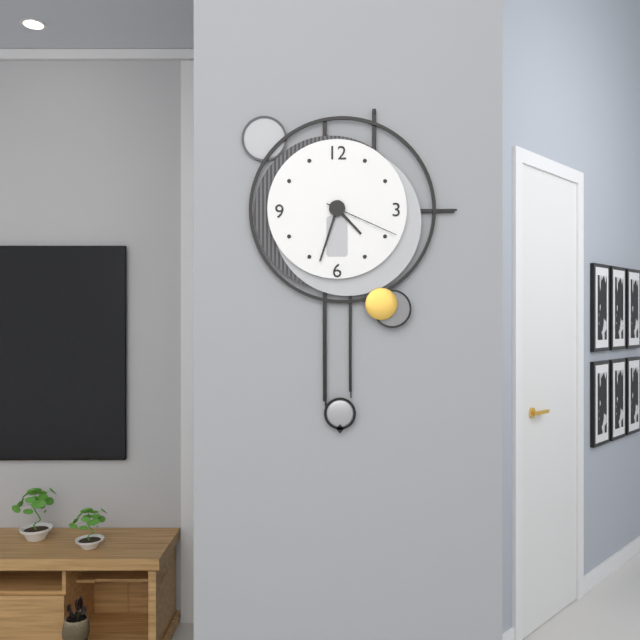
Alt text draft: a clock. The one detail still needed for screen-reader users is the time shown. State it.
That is 4:33:19
